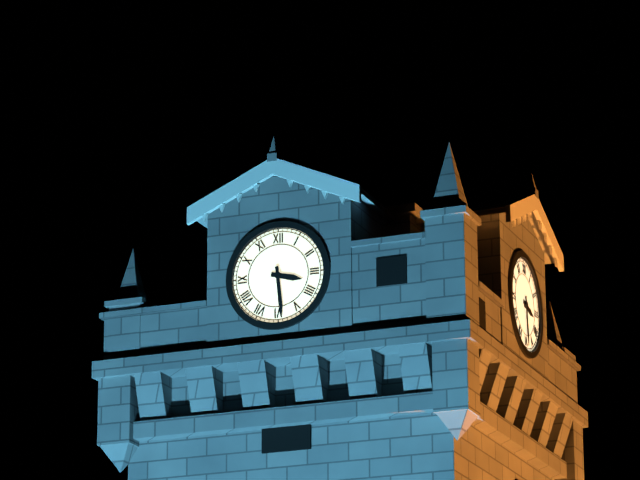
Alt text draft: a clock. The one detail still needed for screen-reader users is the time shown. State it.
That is 3:29
